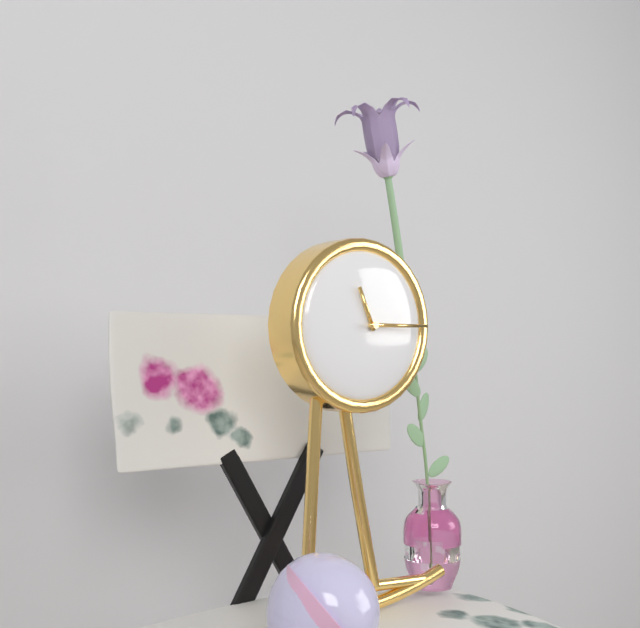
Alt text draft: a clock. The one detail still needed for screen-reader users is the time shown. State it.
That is 11:15
